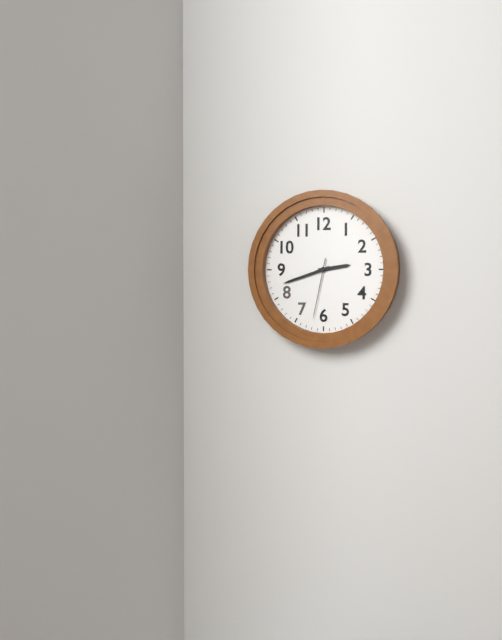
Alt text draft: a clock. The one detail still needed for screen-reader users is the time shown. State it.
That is 2:42:32
